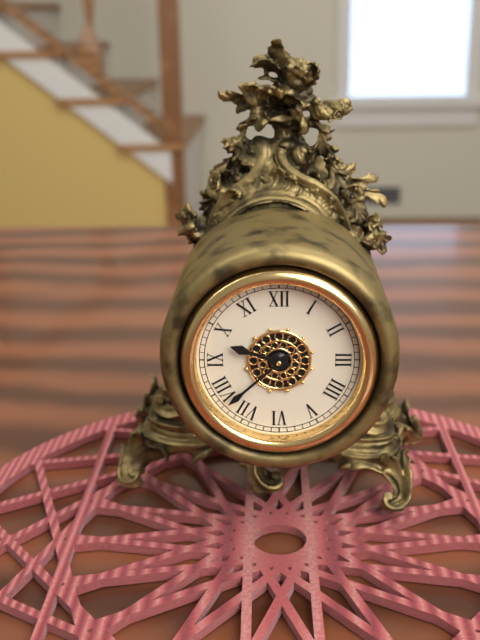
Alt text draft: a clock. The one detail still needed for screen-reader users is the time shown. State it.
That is 9:38
